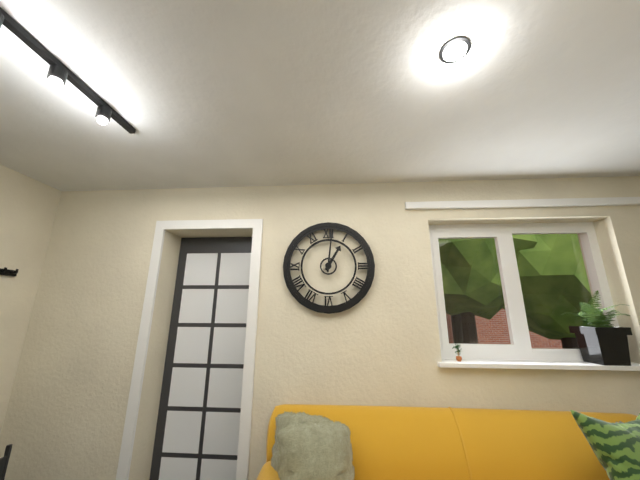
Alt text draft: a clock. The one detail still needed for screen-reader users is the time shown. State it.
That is 1:01
